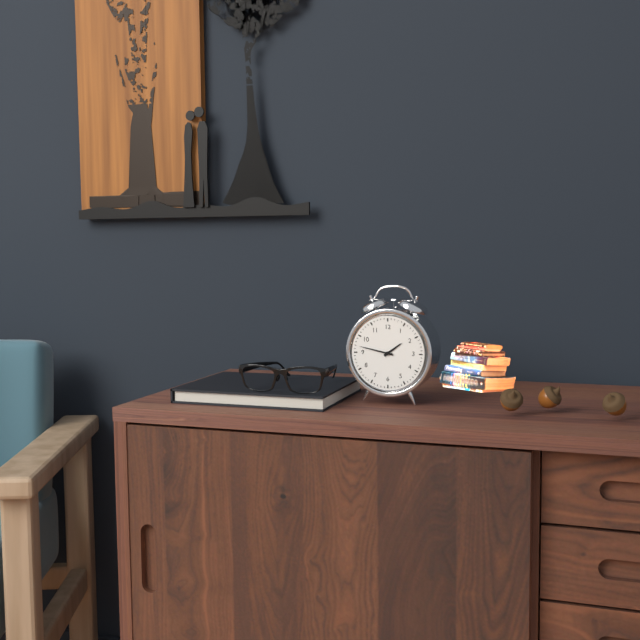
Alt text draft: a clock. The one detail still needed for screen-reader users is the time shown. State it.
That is 1:47
